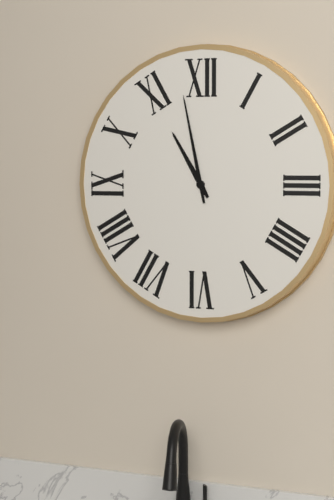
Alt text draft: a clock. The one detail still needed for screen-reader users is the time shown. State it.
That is 10:58
